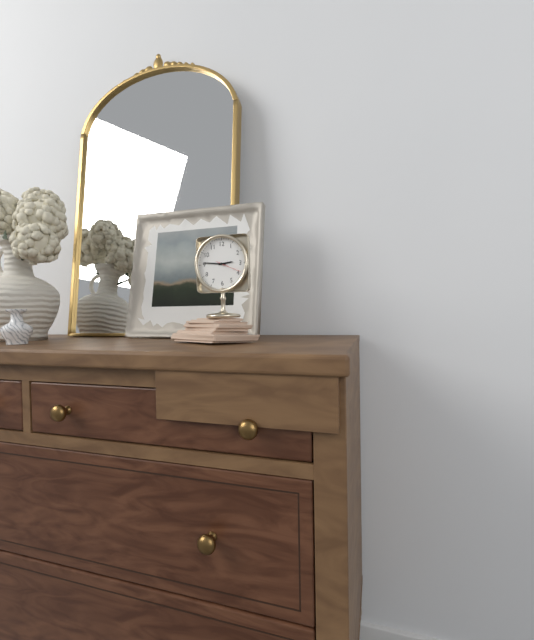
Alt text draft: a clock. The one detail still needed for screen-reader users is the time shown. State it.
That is 2:46
